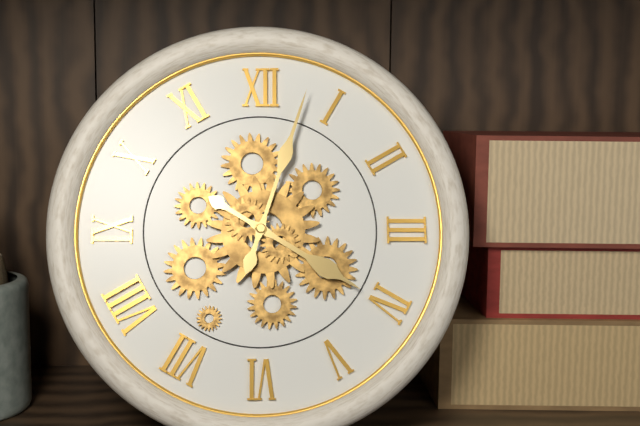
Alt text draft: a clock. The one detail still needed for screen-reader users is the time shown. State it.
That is 4:03
